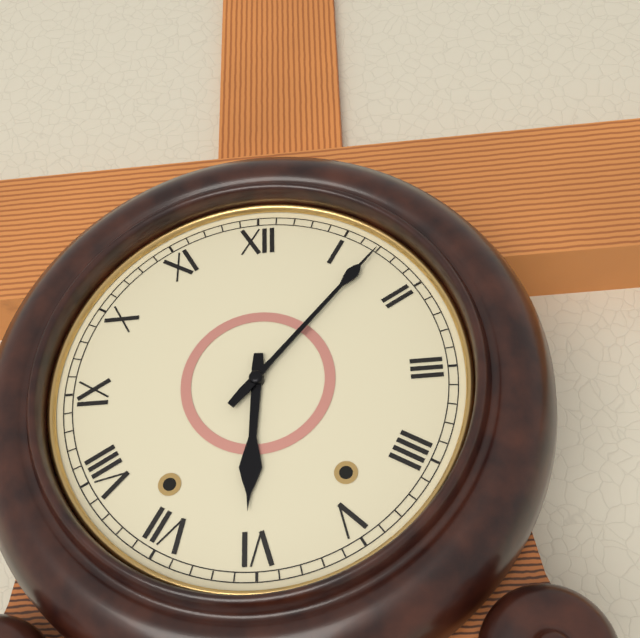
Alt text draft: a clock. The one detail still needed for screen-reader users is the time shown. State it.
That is 6:07
